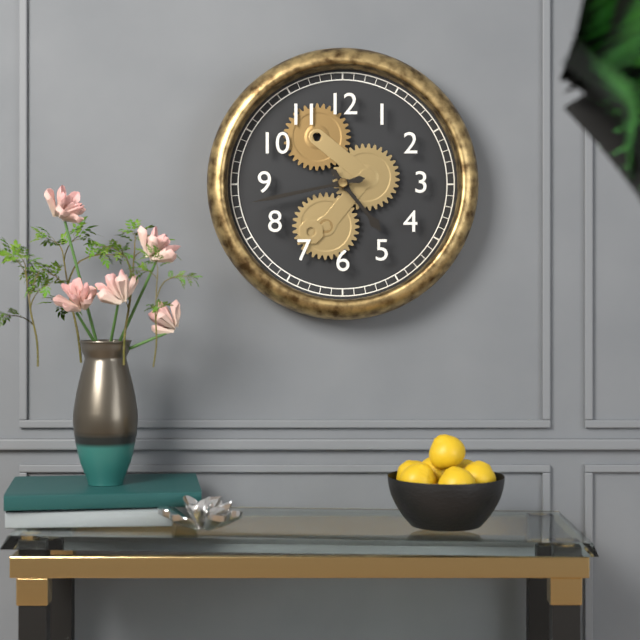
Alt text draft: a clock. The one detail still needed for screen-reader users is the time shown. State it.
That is 4:43
